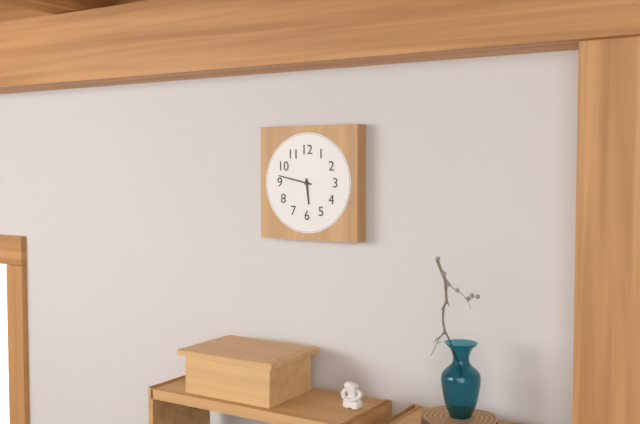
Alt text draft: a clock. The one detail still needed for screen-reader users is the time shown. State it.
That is 5:47
